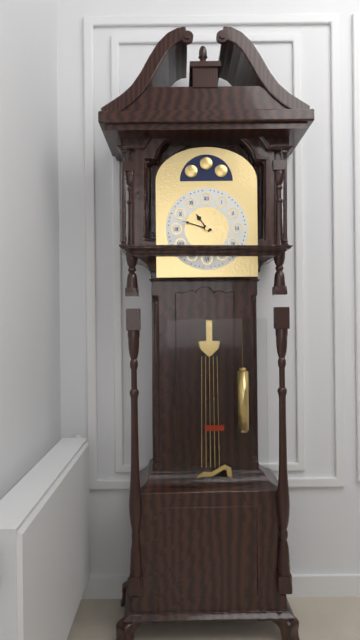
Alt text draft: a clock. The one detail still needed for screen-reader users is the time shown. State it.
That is 10:48
